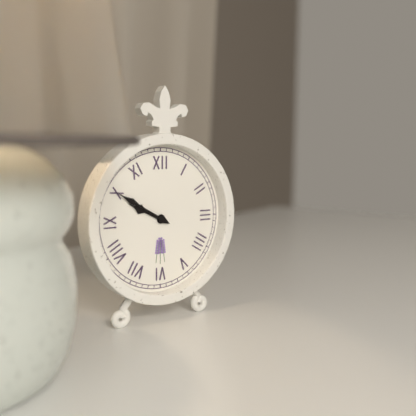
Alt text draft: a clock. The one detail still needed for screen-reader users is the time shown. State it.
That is 9:50
